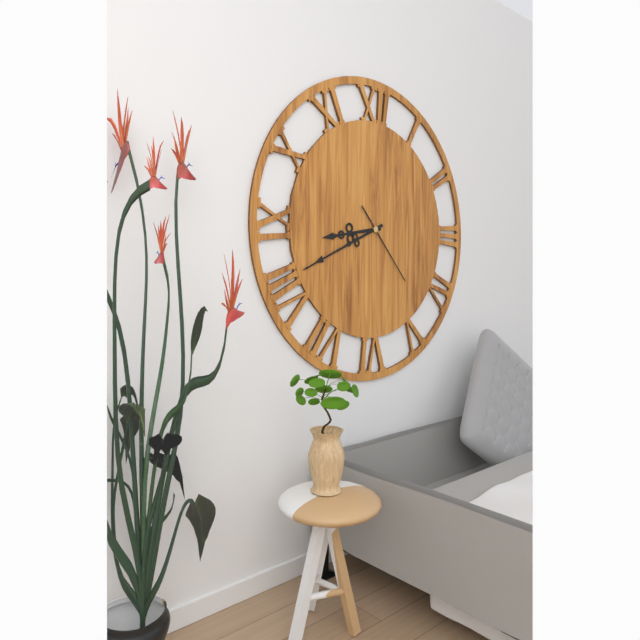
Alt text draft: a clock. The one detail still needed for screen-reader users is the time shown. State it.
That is 8:41:23
